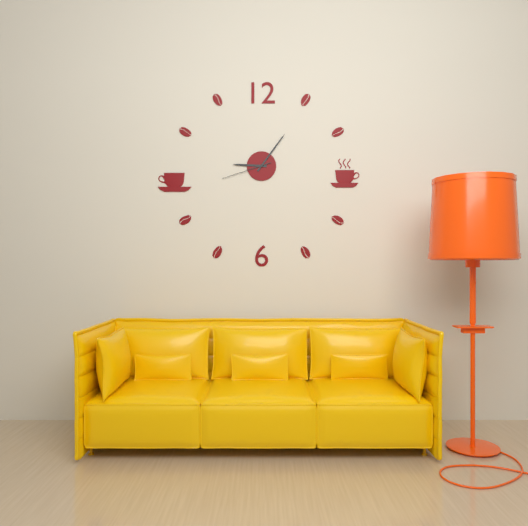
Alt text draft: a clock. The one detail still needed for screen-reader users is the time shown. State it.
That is 9:06:42
